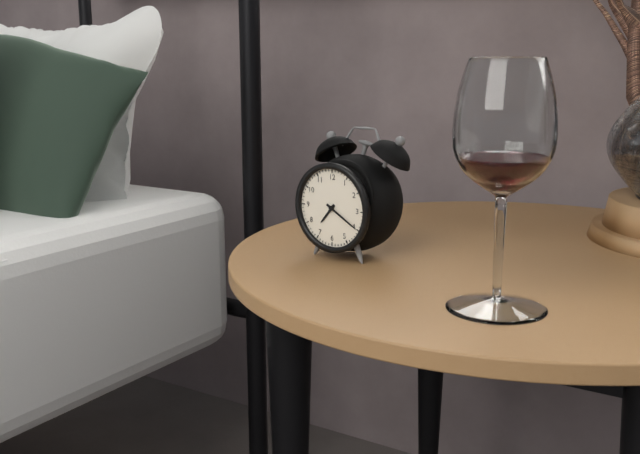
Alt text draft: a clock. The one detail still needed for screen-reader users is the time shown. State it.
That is 7:20
